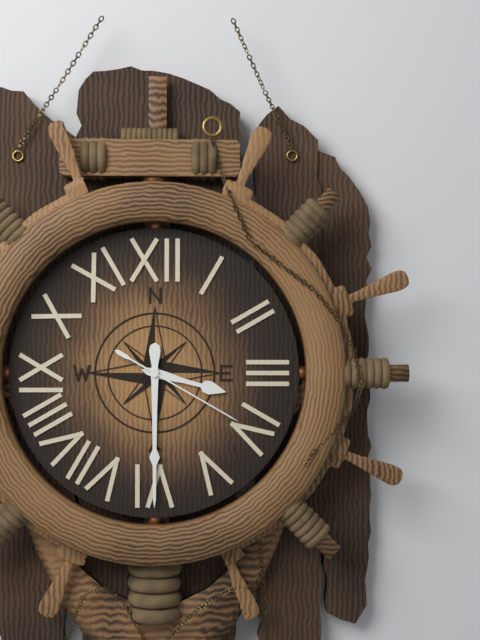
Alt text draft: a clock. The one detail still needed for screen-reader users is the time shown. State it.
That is 3:30:20
